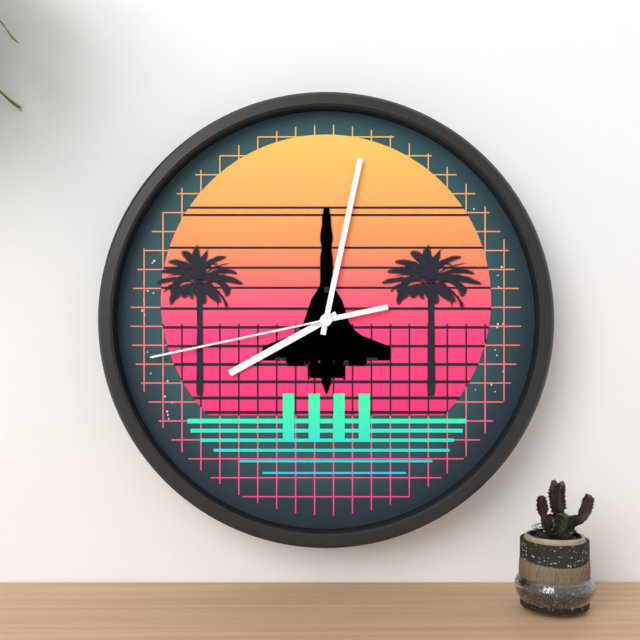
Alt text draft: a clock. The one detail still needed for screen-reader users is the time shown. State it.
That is 8:02:43
